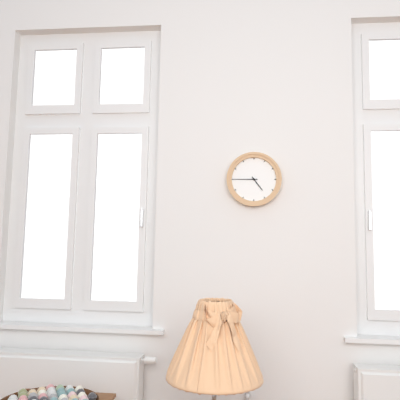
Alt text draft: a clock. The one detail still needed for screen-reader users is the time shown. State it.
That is 4:45
